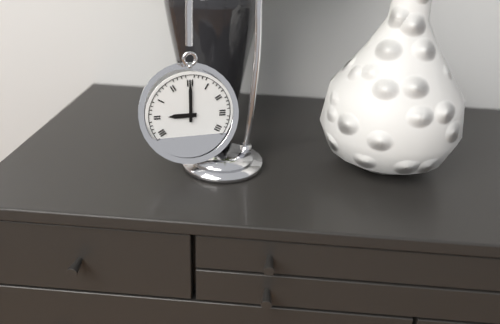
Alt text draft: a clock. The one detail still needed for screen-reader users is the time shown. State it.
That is 9:00
